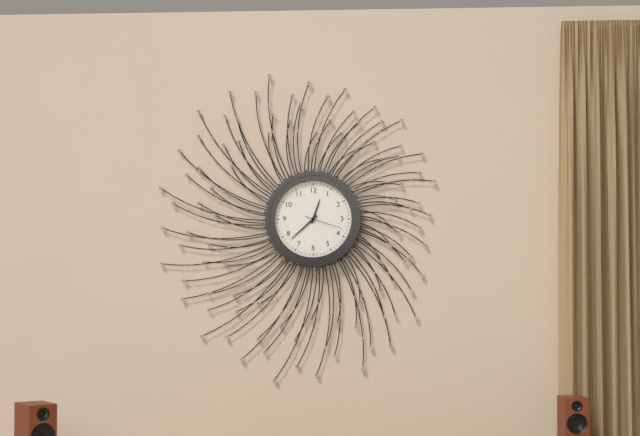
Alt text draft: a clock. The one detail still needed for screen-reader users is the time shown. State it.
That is 12:38
